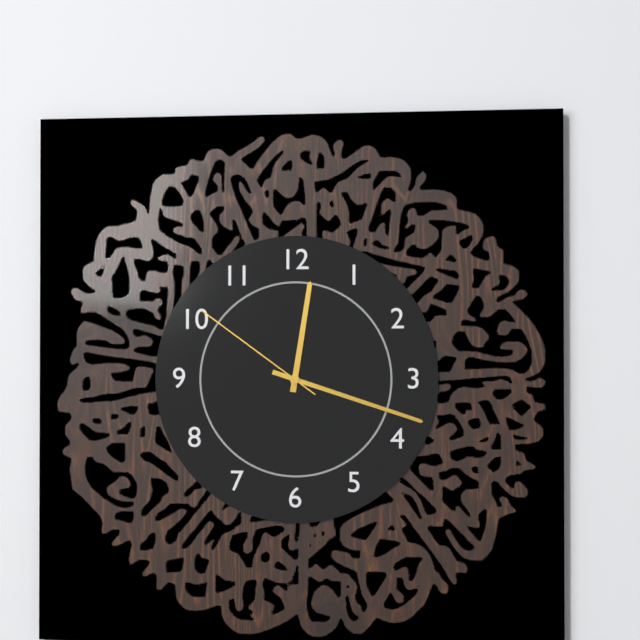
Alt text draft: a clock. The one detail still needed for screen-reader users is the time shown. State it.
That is 12:18:51
